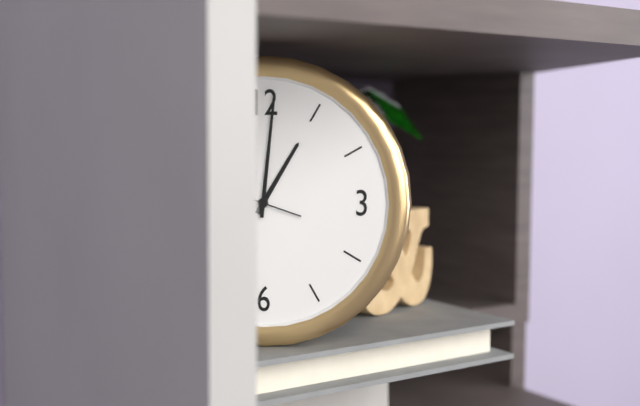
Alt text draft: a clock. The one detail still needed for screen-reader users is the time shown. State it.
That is 1:01
